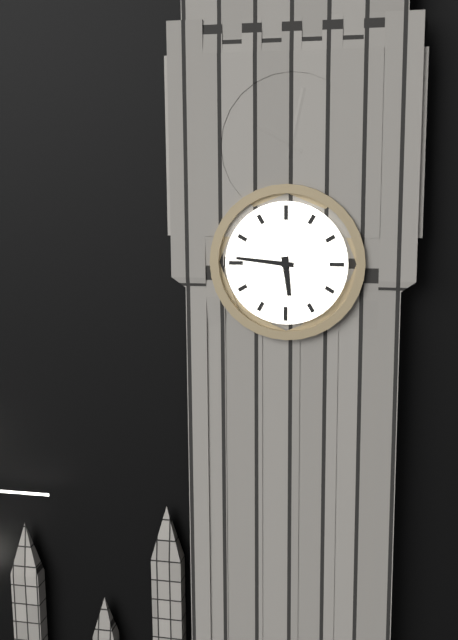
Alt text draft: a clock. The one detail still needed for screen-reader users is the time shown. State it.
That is 5:46
